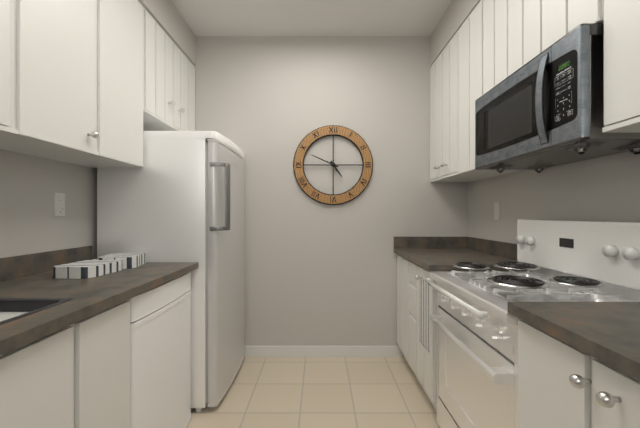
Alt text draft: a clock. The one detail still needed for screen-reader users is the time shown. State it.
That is 4:49
